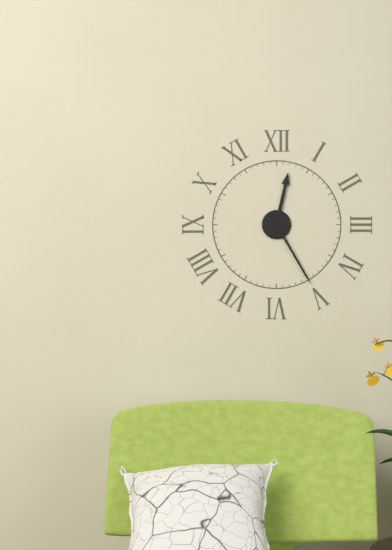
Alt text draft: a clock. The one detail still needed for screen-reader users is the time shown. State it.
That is 12:25
